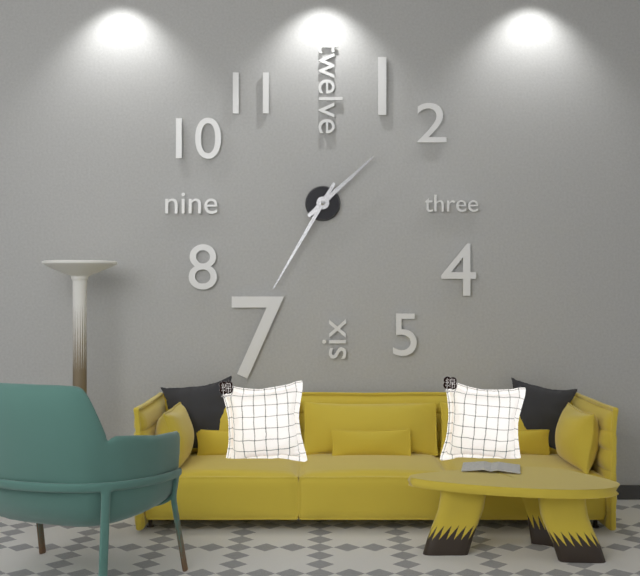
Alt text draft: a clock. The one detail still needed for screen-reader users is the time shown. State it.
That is 1:35
